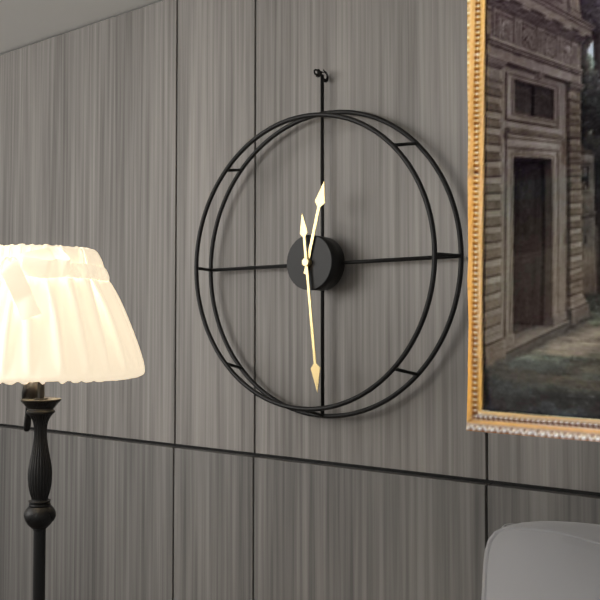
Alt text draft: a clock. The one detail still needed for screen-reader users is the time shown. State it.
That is 12:29
